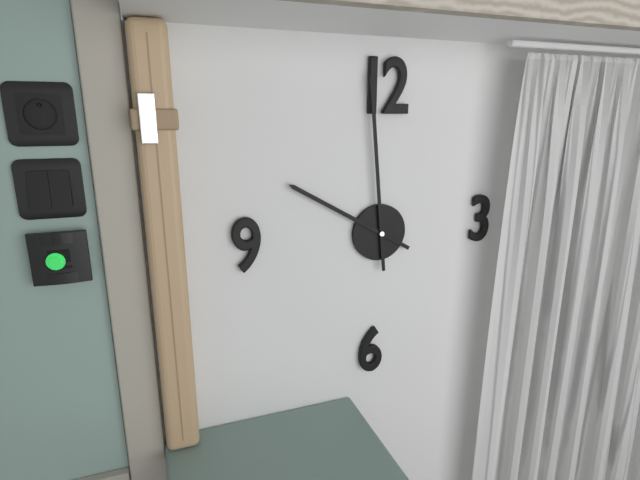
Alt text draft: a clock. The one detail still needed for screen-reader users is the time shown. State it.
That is 9:59
